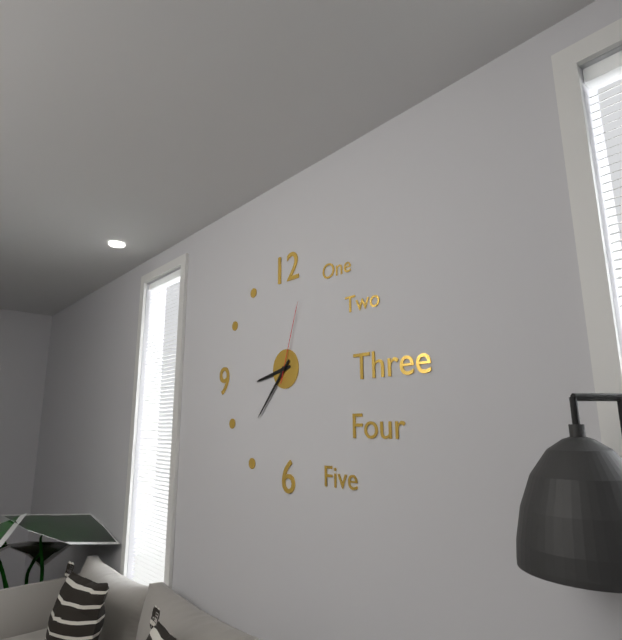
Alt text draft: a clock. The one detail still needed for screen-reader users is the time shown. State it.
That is 8:37:03
